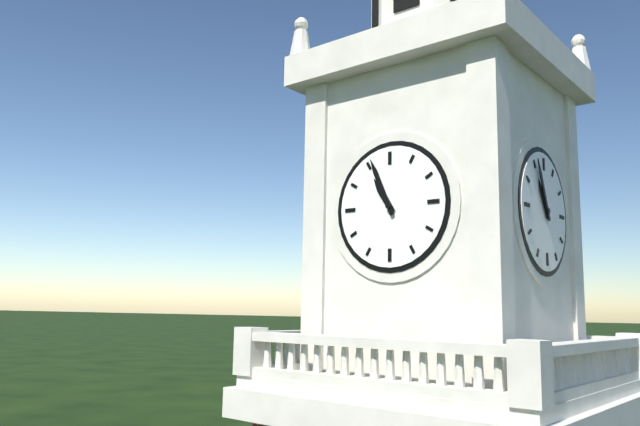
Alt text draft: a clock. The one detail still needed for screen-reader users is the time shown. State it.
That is 10:56
